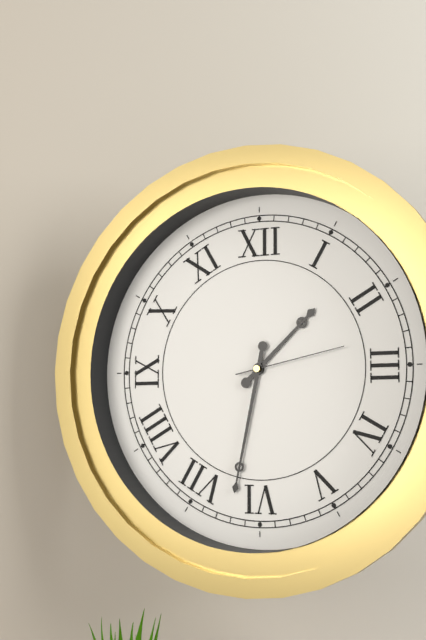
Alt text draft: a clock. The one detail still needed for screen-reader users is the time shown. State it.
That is 1:32:13
